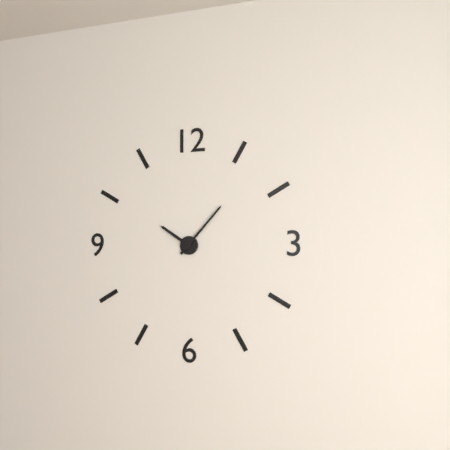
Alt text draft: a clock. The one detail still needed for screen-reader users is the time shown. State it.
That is 10:07
